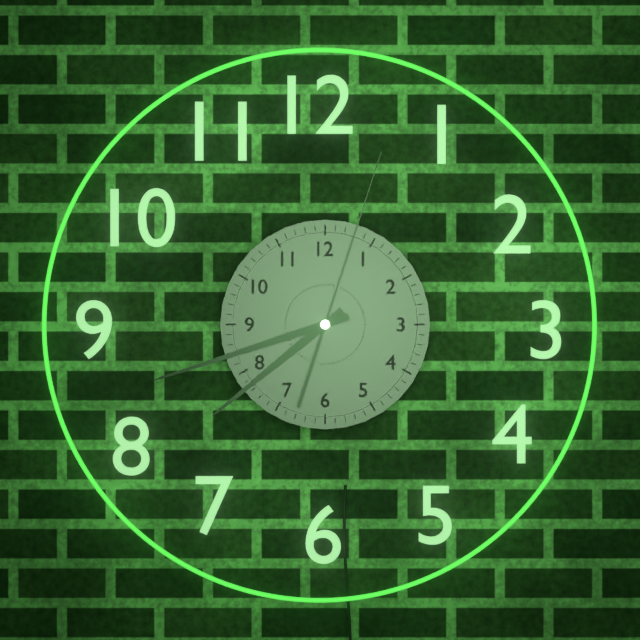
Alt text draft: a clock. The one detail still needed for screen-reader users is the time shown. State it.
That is 7:42:03
